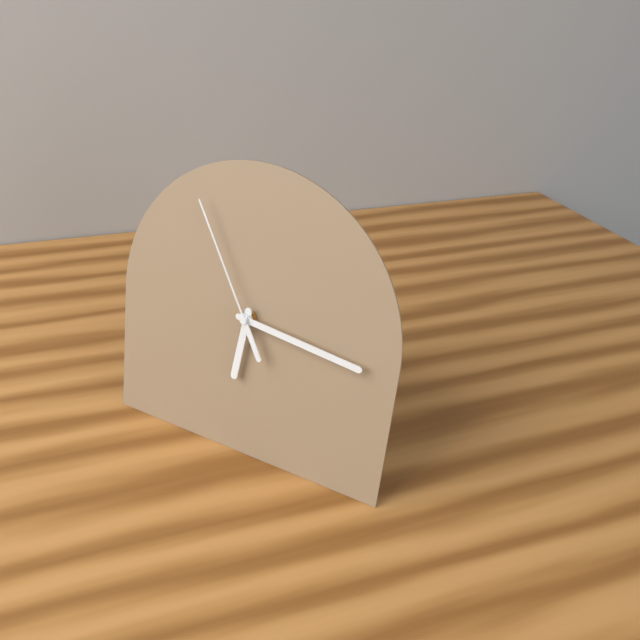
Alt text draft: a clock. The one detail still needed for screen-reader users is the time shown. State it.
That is 6:16:55
